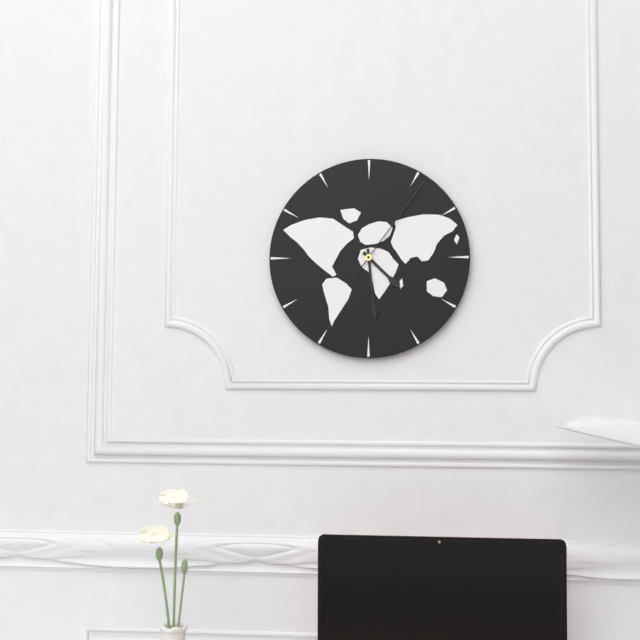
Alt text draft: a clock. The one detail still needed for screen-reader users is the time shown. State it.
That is 4:29:06
